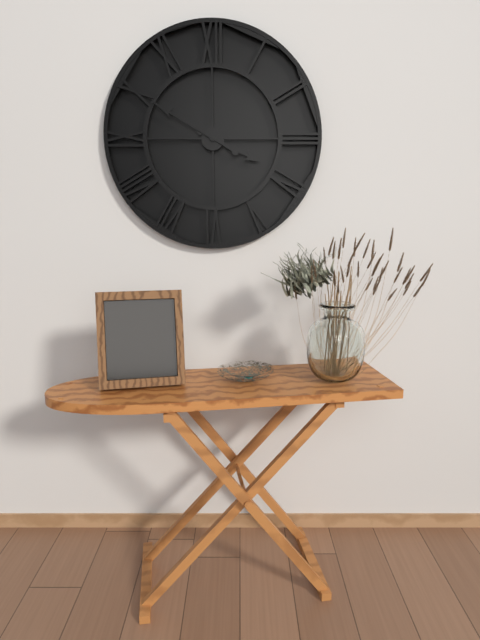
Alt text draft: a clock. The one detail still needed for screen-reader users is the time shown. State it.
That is 3:50
